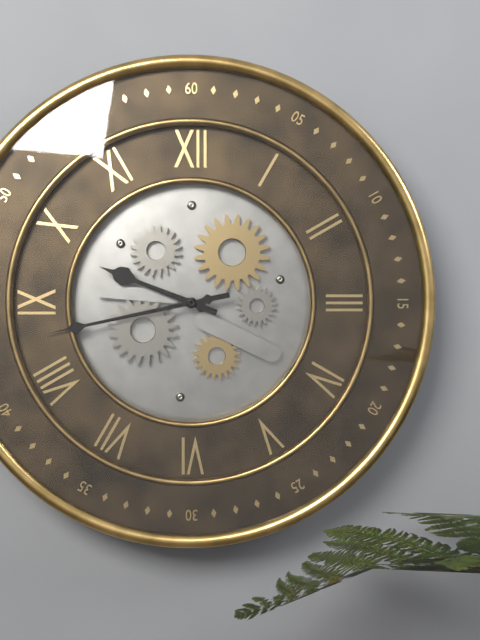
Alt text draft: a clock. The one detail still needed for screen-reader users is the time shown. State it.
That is 9:43
